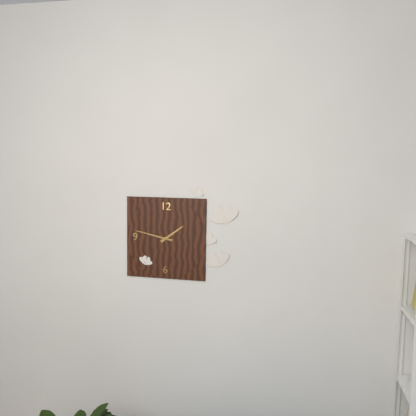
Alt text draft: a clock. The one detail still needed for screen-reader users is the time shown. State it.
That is 1:47
